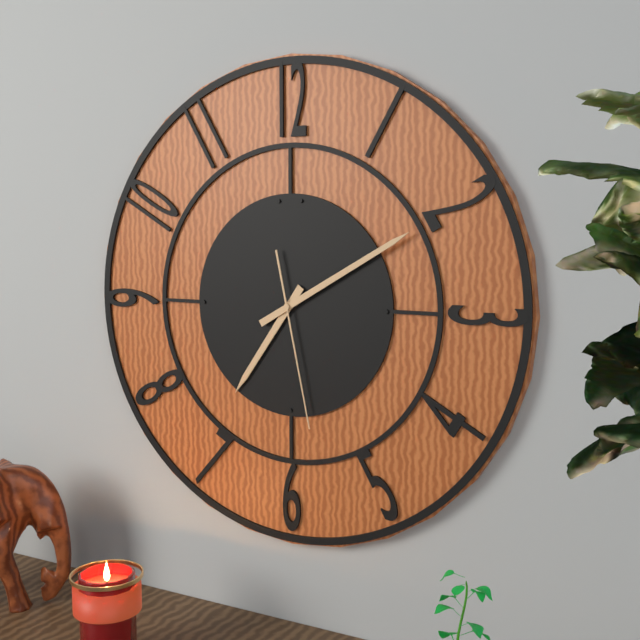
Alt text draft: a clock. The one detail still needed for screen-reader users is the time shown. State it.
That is 7:10:28
